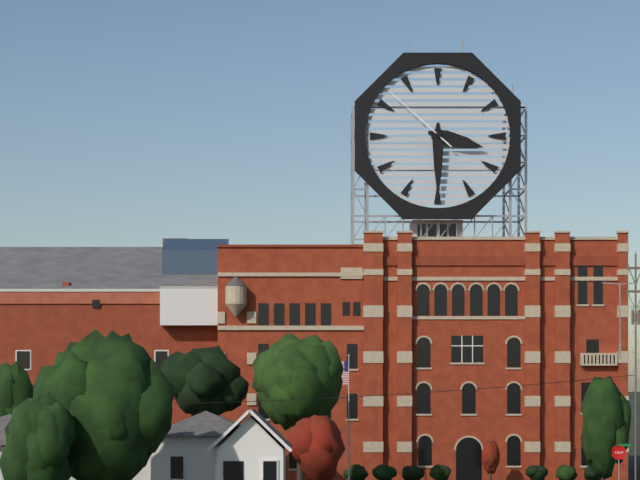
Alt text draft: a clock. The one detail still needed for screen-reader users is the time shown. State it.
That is 3:30:52
